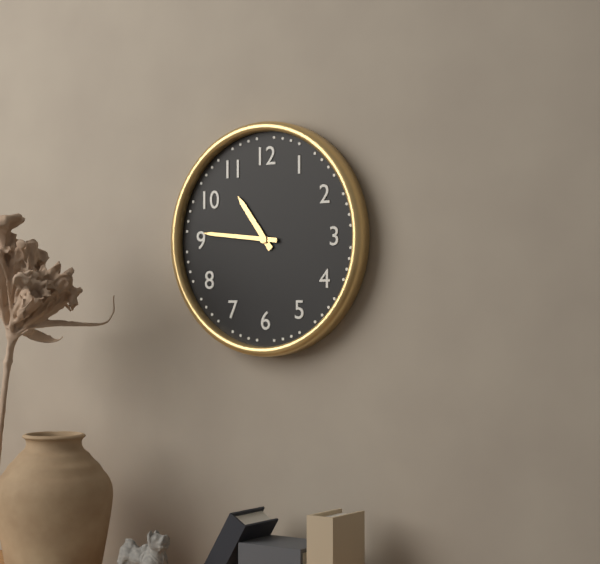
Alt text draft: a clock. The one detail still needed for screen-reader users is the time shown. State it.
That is 10:46
